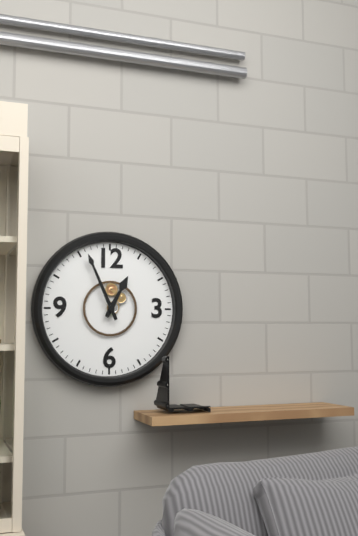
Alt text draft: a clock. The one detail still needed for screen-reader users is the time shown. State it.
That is 12:56
